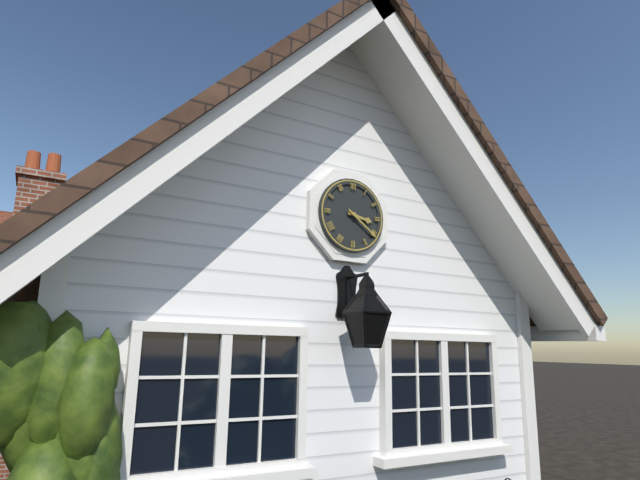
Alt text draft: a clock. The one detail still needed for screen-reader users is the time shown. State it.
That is 3:21
